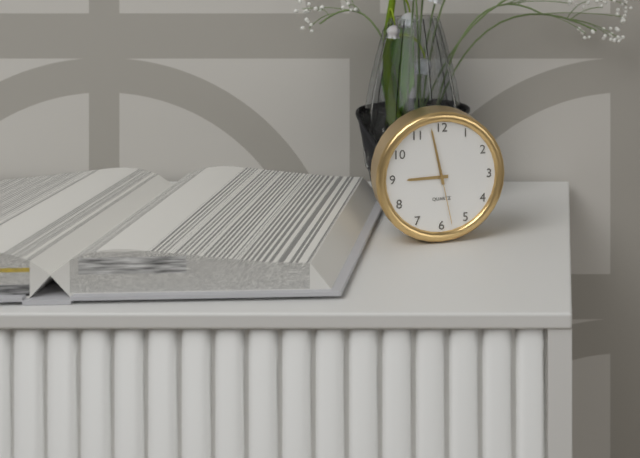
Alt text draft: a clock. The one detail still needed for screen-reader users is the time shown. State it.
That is 8:58:28
